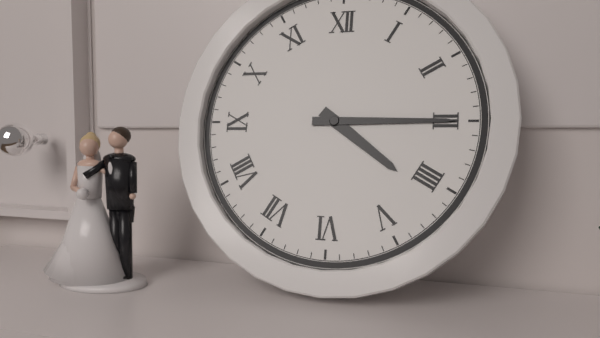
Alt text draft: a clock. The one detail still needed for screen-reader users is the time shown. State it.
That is 4:15
